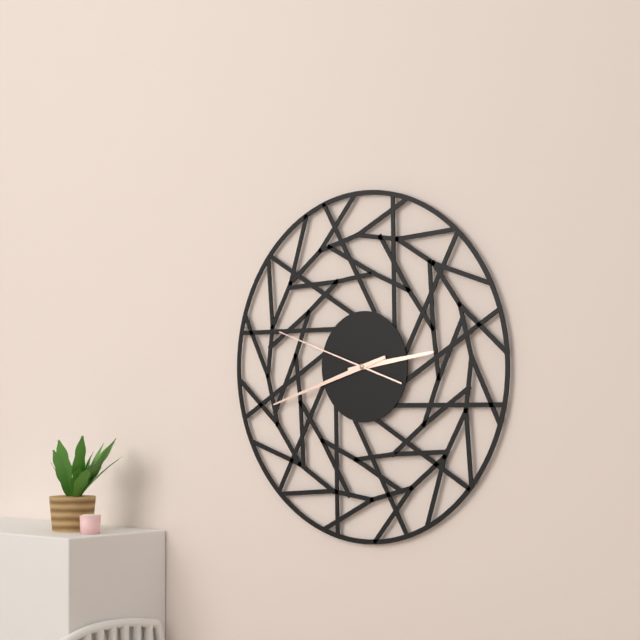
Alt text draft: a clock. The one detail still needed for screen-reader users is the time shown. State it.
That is 2:42:48
